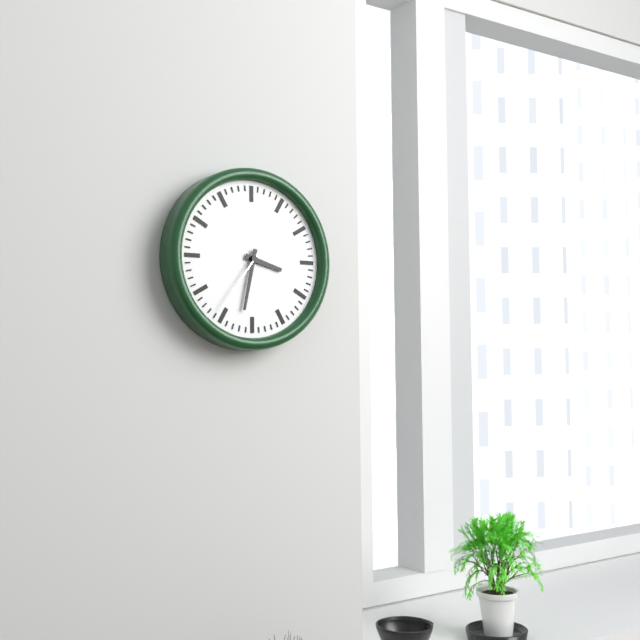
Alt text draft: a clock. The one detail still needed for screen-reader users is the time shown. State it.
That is 3:32:36
